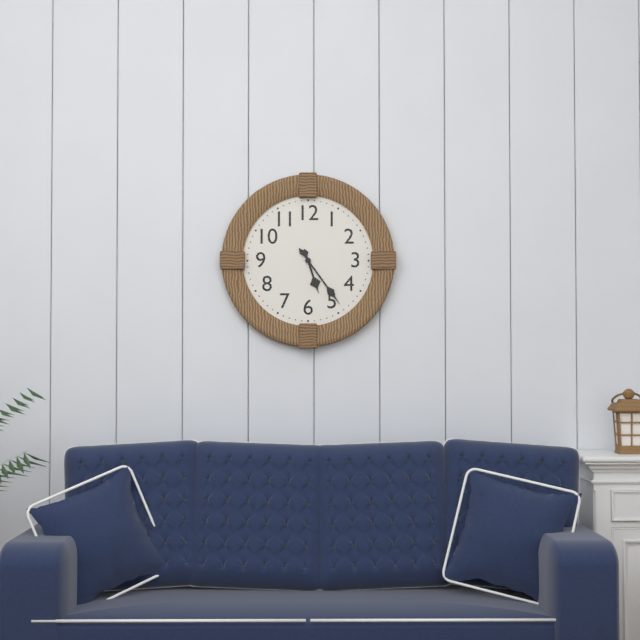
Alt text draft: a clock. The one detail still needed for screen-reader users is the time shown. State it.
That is 5:24
